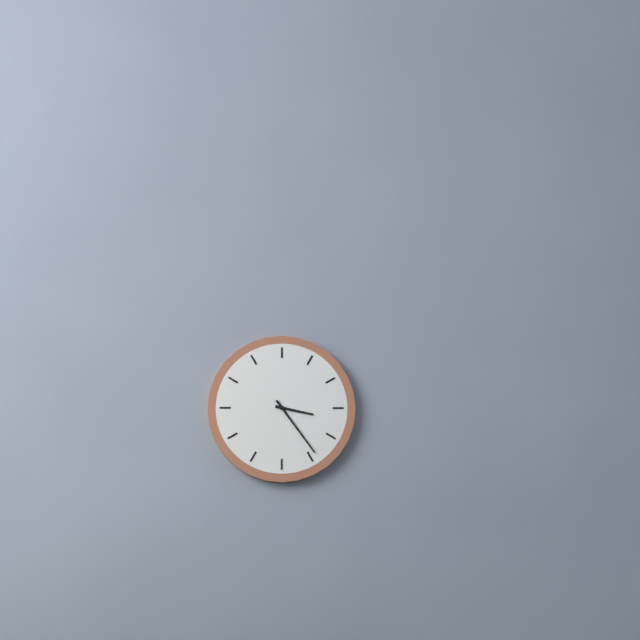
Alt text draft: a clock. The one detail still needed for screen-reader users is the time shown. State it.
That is 3:24
